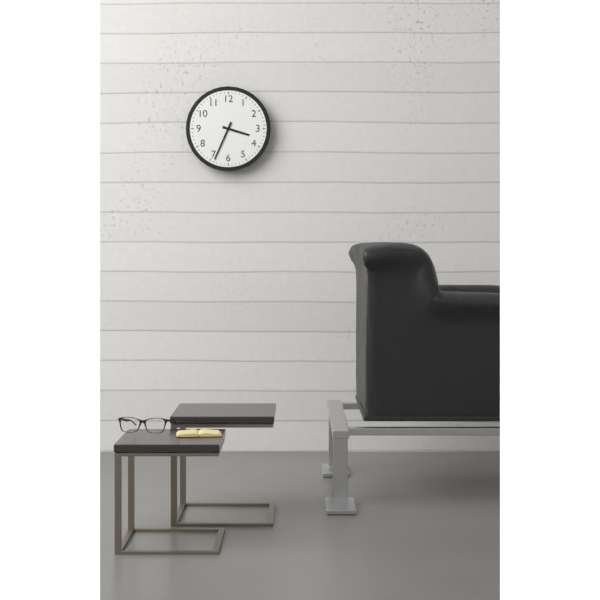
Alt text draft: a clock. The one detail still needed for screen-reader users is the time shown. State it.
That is 3:34
